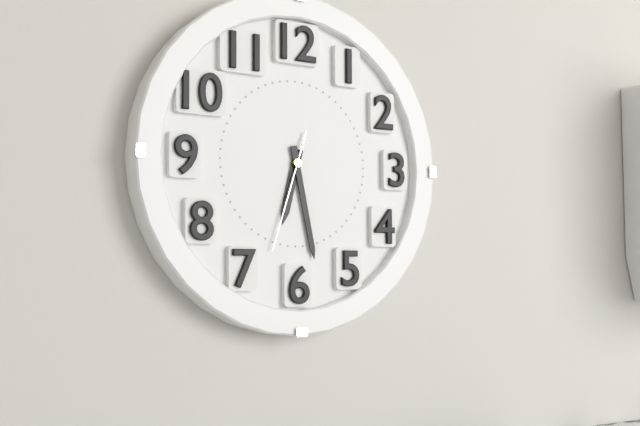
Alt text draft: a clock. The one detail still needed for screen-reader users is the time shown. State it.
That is 6:28:33
